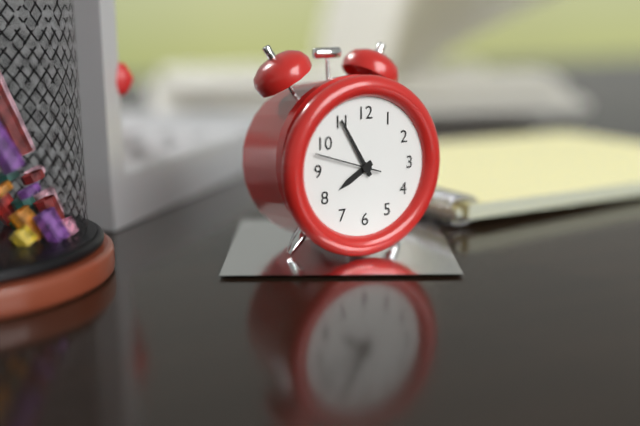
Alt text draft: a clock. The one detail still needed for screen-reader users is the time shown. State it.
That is 7:55:48
